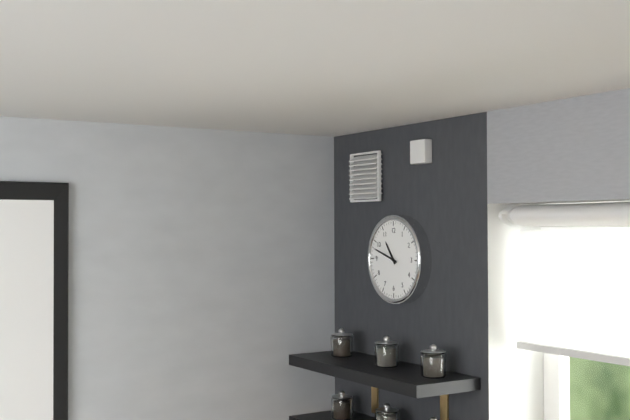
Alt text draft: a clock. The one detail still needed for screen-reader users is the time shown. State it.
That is 10:48
